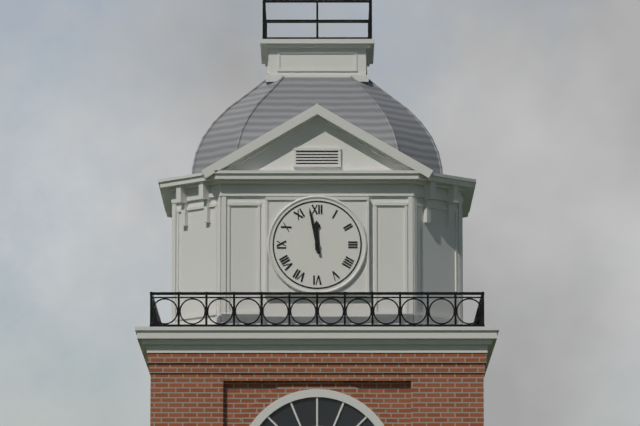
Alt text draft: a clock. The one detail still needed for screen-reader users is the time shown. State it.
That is 11:58
